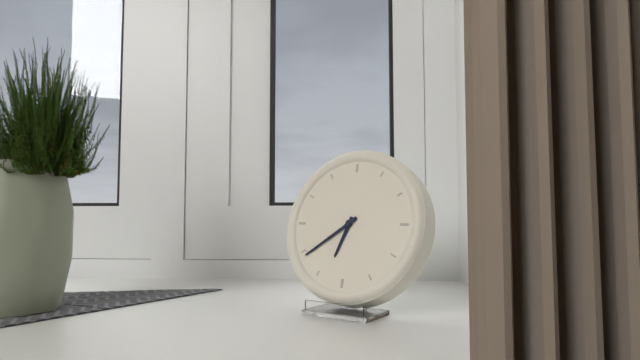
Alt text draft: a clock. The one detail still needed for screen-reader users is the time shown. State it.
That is 6:39
